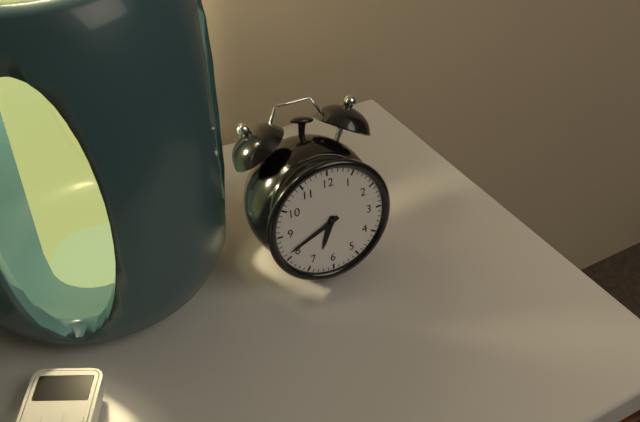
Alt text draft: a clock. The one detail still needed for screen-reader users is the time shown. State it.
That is 6:41
